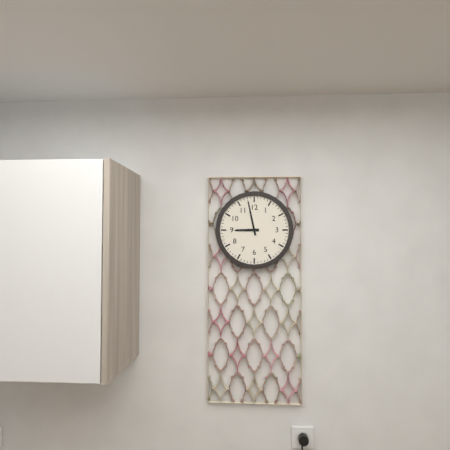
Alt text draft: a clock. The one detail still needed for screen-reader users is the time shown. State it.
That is 8:58
